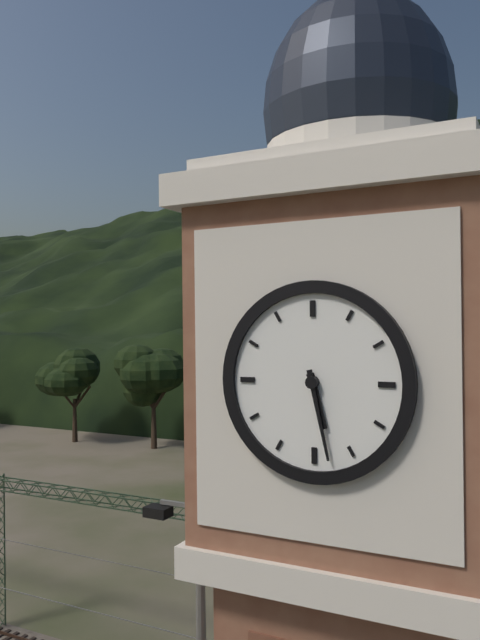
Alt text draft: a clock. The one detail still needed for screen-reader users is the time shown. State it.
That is 5:28
